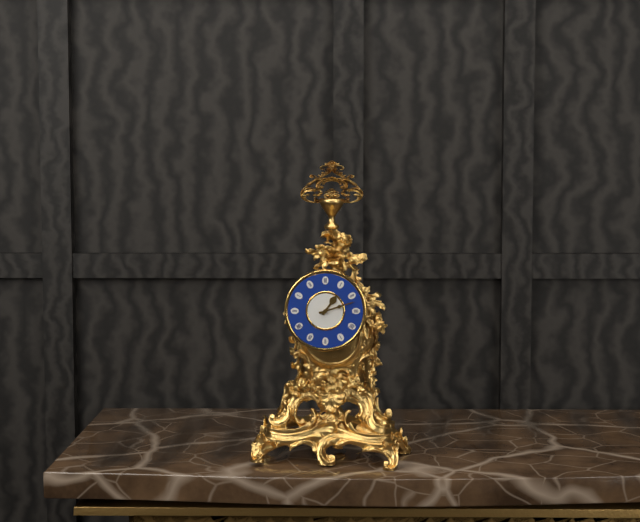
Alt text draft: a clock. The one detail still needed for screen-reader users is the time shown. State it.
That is 1:12
